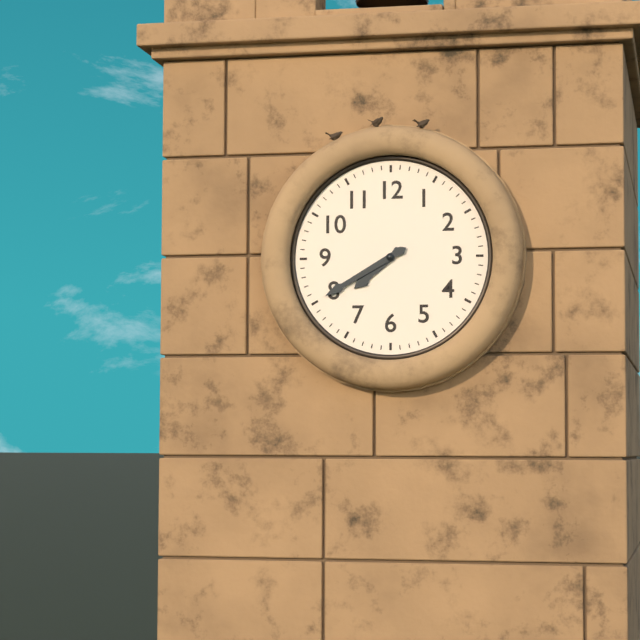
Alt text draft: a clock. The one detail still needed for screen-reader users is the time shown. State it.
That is 7:40
